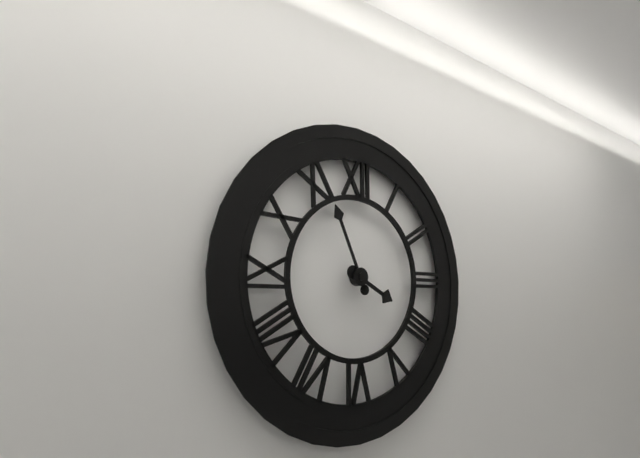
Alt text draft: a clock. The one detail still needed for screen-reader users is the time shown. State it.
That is 3:56
